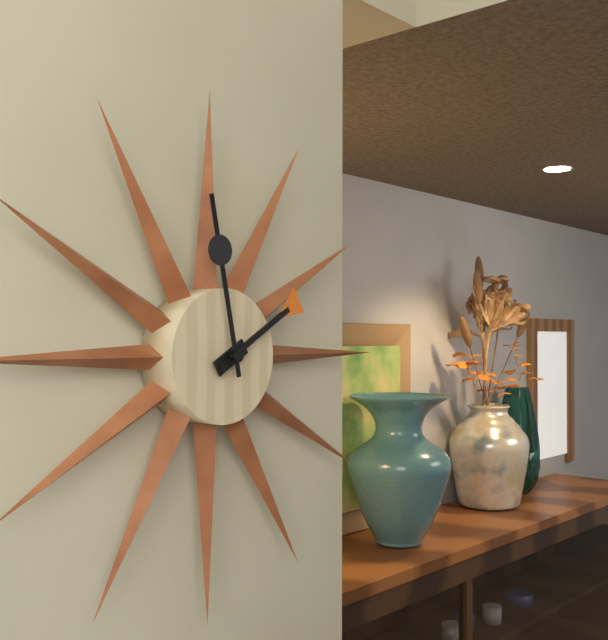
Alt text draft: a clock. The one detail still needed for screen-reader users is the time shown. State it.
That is 1:58
